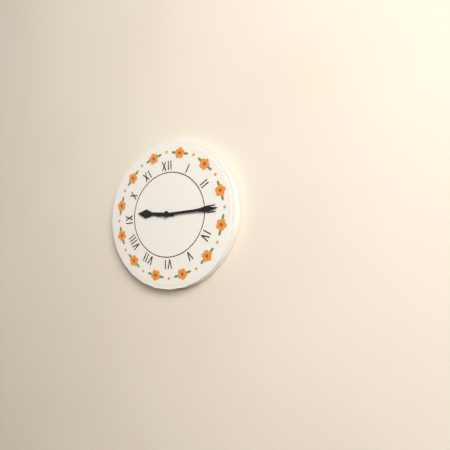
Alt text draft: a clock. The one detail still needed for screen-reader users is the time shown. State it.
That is 9:15
